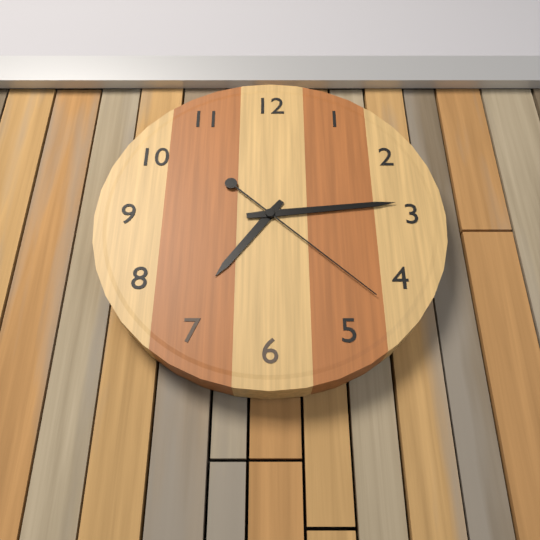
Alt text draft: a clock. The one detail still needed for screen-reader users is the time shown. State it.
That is 7:14:22
